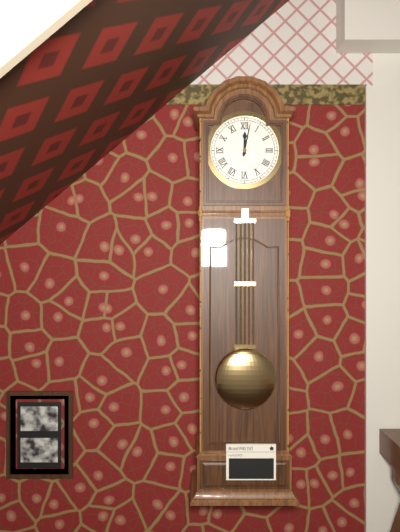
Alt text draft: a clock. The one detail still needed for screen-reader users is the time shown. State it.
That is 12:02
